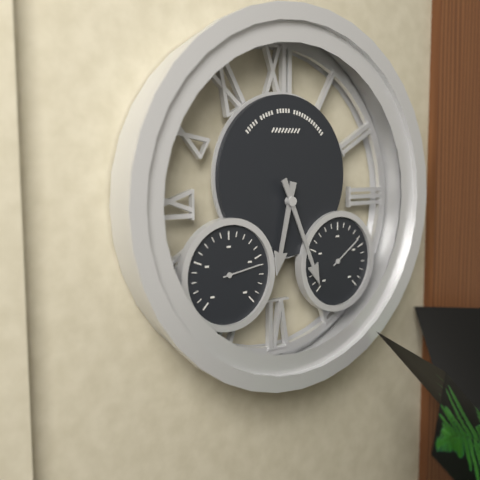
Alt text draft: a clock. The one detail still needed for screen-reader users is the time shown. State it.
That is 6:26
